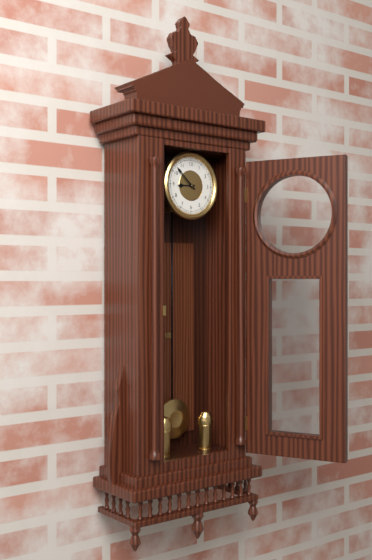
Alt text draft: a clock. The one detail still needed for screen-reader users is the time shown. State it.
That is 8:52
